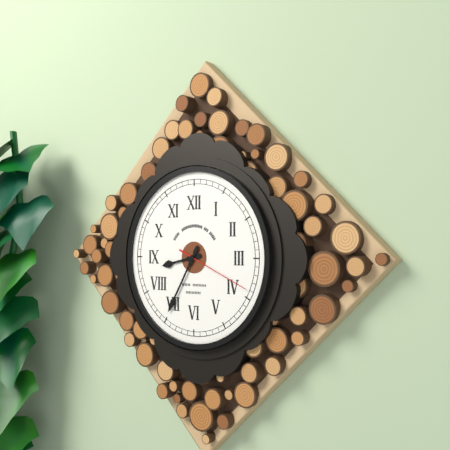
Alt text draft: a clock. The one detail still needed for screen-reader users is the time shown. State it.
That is 8:35:19
